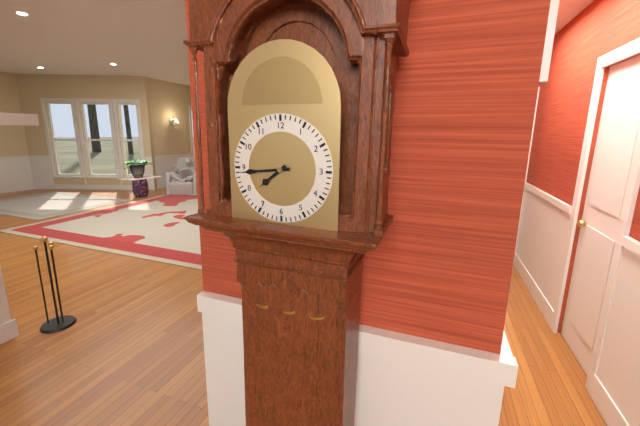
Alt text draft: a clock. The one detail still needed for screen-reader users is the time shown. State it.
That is 7:44
